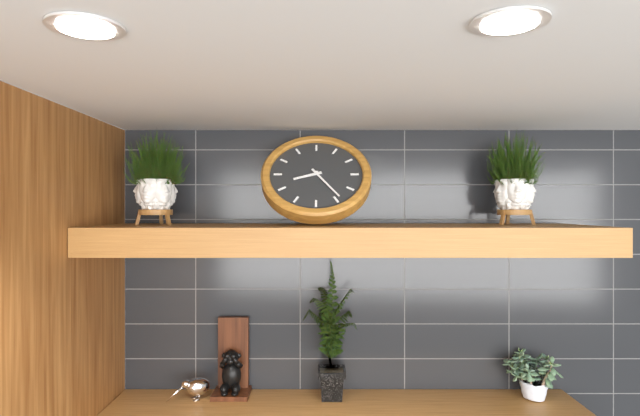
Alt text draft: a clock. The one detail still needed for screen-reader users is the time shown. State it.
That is 8:24
